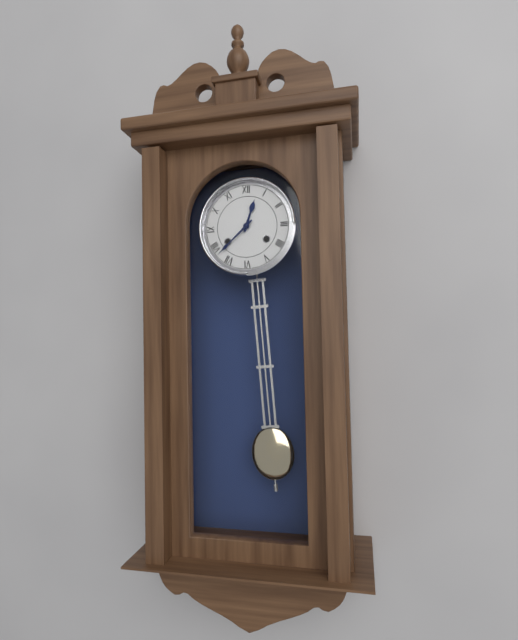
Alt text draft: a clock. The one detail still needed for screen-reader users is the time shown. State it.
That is 12:38
